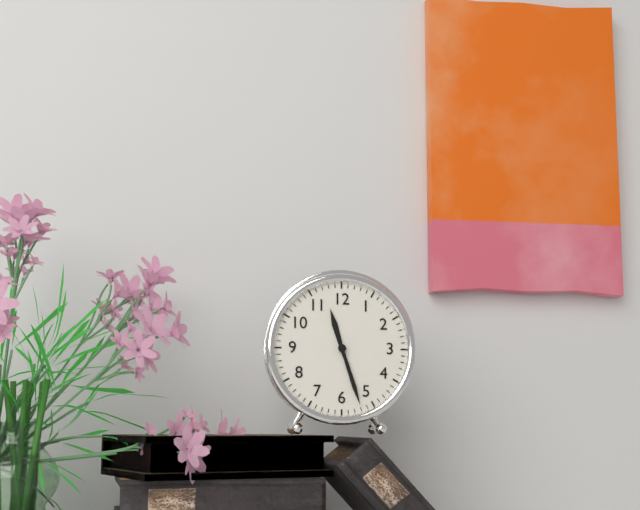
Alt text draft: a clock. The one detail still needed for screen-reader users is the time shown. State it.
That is 11:27
